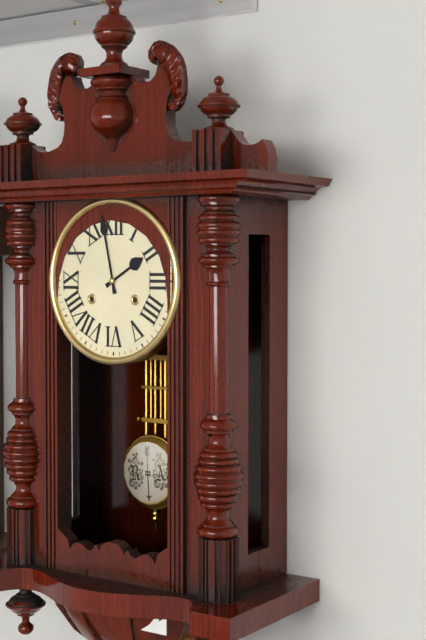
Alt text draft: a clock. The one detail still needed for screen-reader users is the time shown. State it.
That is 1:58
